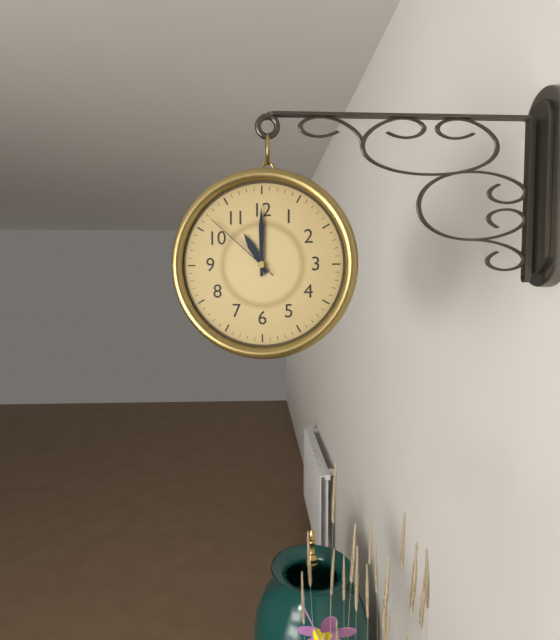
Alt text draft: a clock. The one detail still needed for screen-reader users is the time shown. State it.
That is 11:00:52
